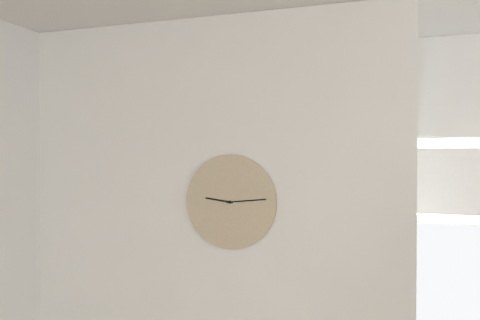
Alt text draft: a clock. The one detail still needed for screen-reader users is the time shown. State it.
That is 9:14
